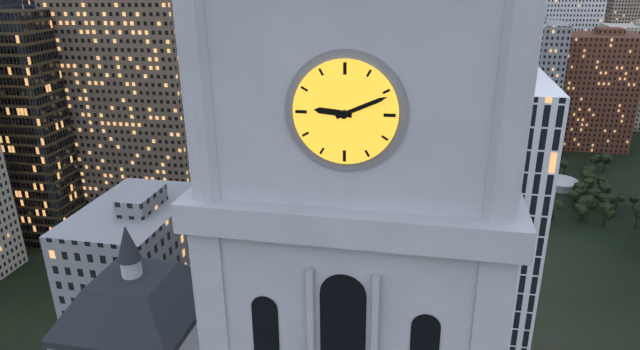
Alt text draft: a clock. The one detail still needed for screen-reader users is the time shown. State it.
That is 9:11
